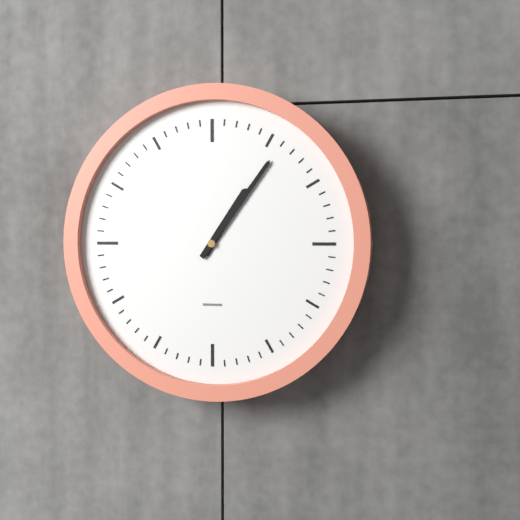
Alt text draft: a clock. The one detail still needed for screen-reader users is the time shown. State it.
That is 1:06
